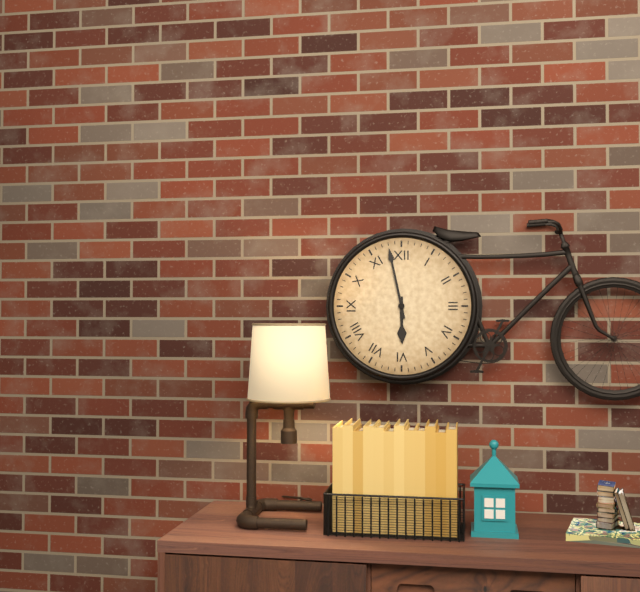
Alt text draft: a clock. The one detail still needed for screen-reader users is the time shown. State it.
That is 5:58
